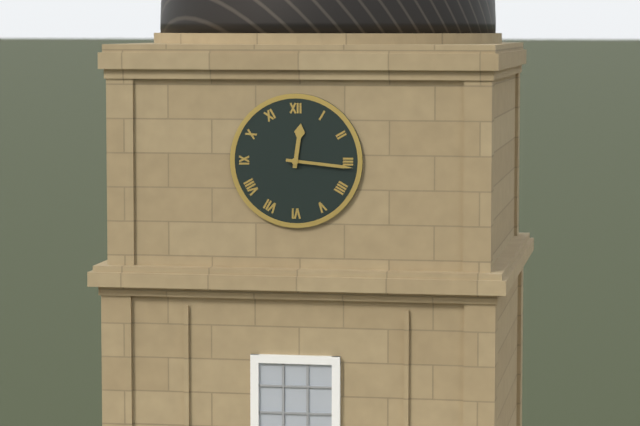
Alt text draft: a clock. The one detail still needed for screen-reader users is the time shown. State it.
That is 12:16
